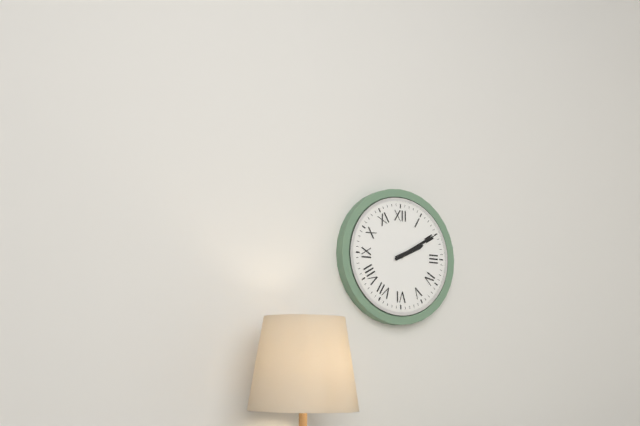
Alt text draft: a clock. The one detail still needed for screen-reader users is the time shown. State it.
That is 2:10
